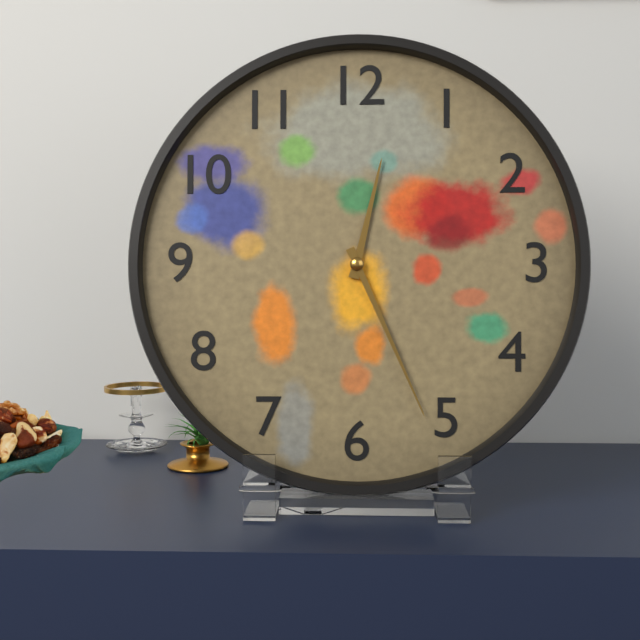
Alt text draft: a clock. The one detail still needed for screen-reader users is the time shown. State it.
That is 12:26
